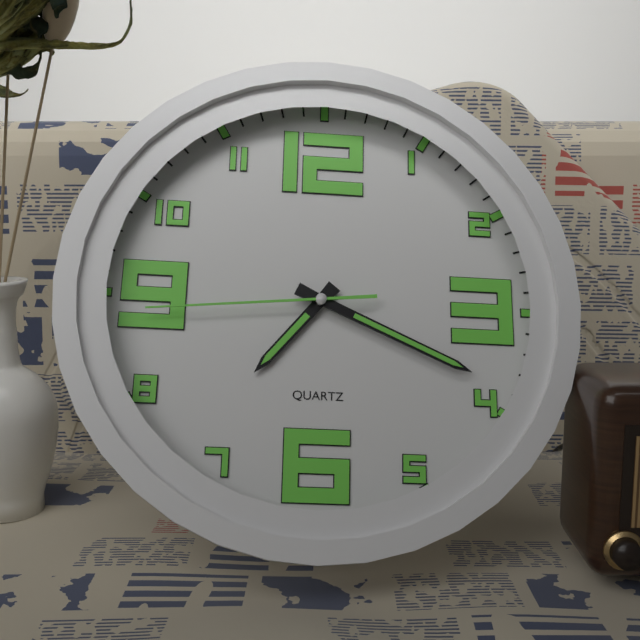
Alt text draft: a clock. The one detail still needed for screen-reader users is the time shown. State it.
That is 7:19:44
